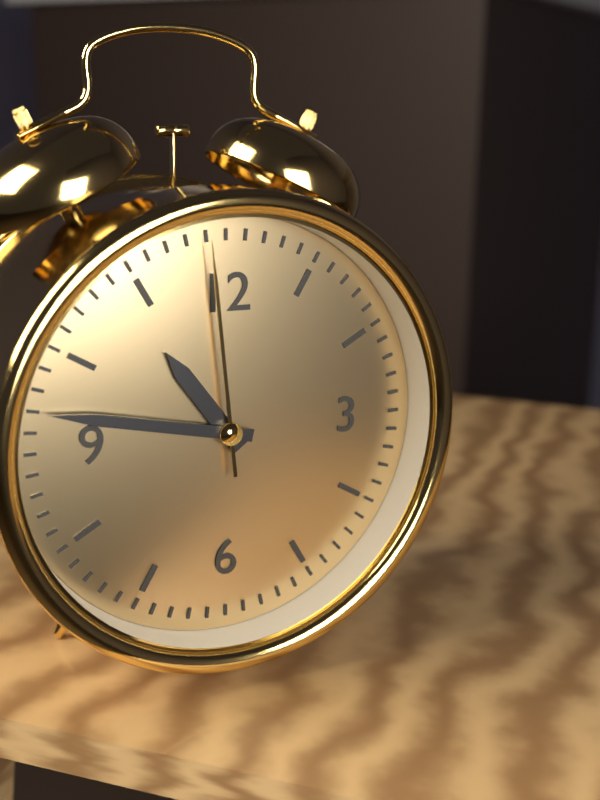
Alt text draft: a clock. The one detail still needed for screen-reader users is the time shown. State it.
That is 10:47:59
